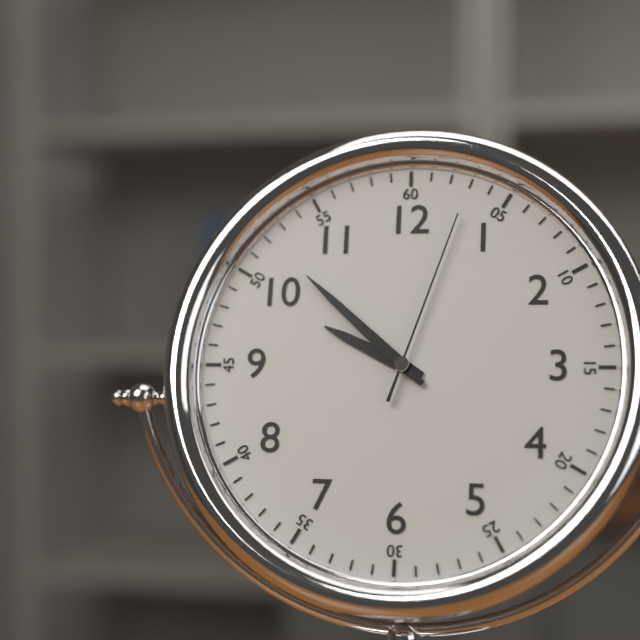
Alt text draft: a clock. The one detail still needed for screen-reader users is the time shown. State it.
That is 9:52:03
